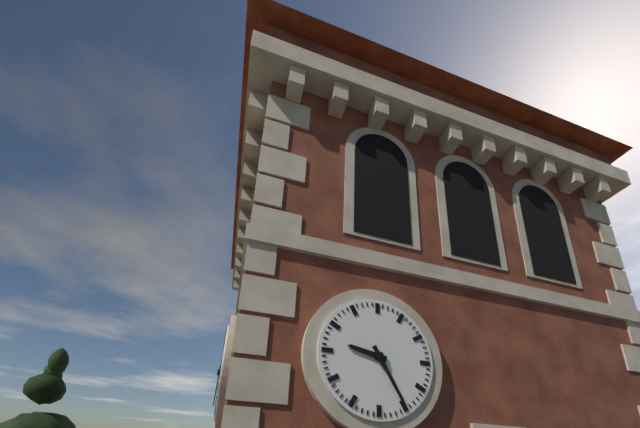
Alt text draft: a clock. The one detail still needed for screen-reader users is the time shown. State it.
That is 9:25
